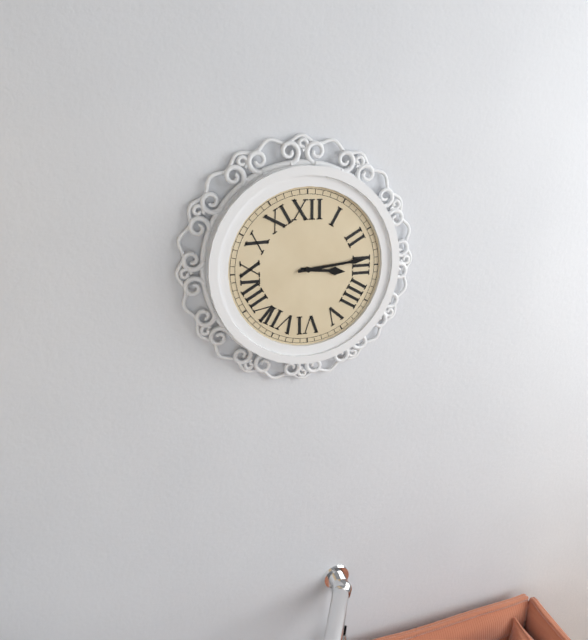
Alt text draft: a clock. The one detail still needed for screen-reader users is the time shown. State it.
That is 3:14
